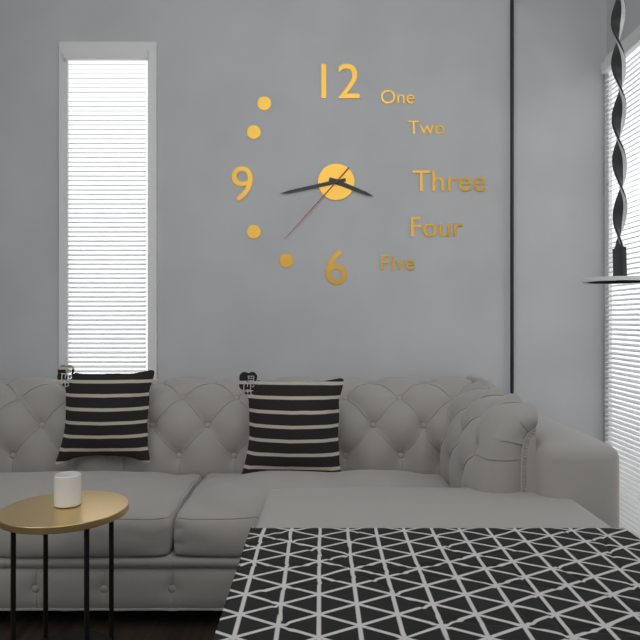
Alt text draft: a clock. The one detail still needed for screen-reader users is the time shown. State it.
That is 3:43:37
